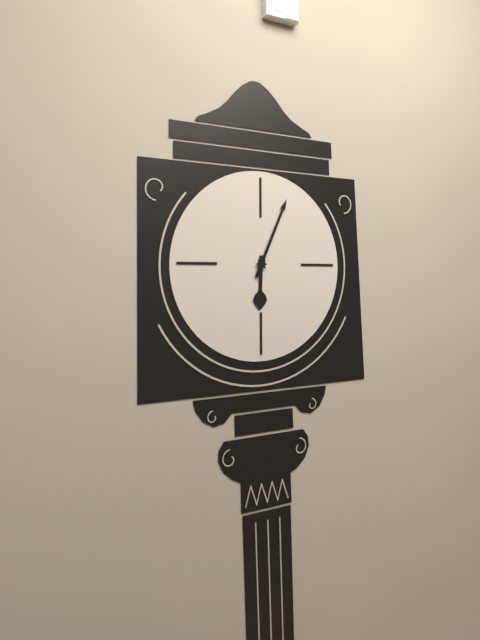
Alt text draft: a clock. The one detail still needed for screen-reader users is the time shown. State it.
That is 6:04
